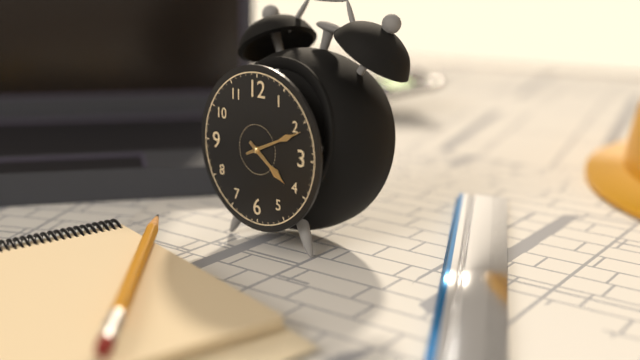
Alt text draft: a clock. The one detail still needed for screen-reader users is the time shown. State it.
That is 4:11
